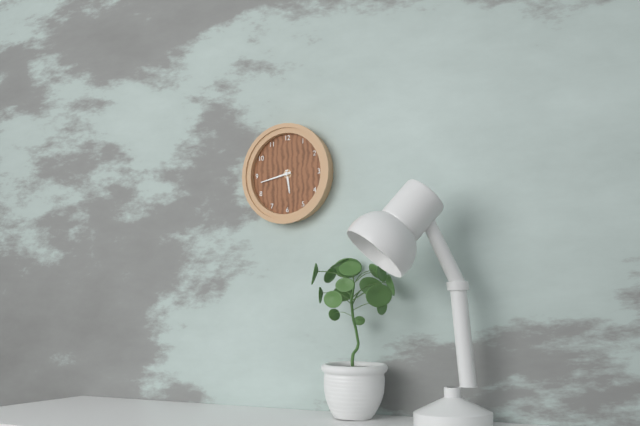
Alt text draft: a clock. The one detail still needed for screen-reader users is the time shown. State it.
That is 5:43
